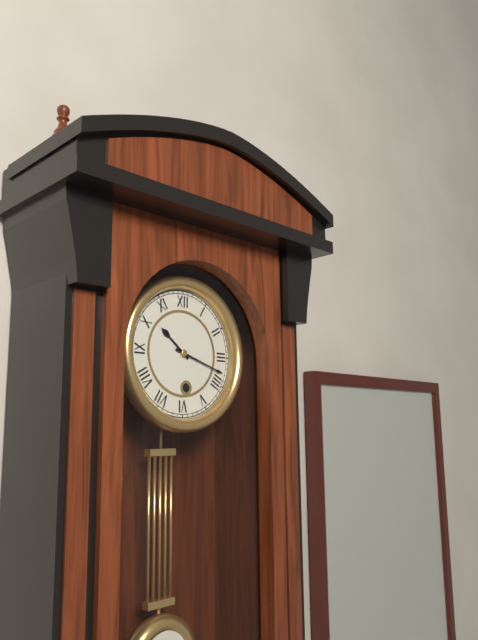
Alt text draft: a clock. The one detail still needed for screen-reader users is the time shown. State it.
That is 10:18
